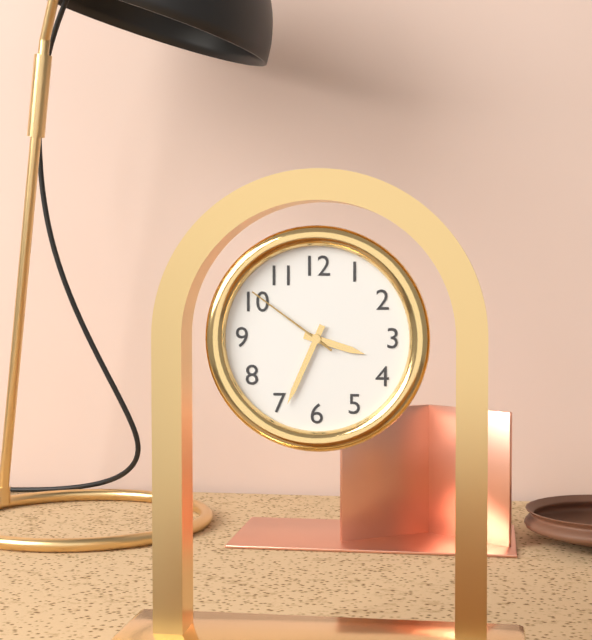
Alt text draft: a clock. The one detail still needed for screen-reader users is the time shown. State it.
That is 3:34:51
